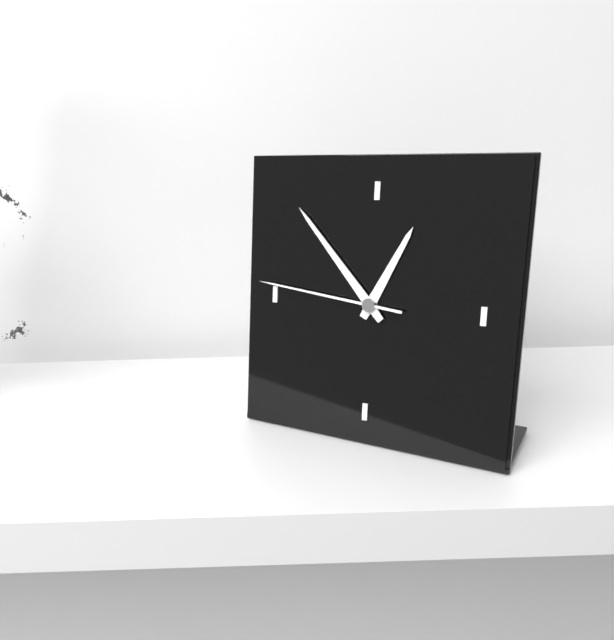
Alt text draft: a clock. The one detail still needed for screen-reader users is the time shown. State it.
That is 12:53:46
